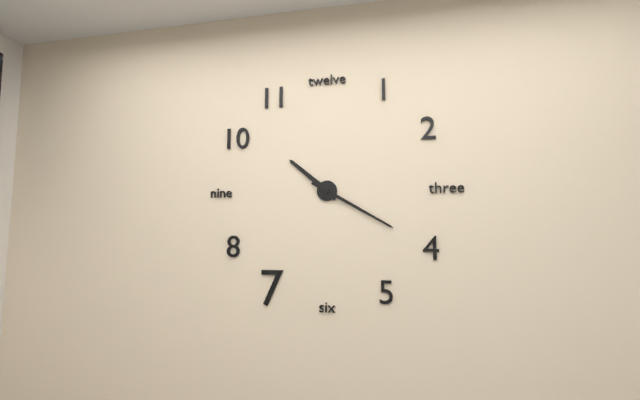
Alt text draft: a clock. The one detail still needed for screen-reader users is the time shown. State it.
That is 10:20
